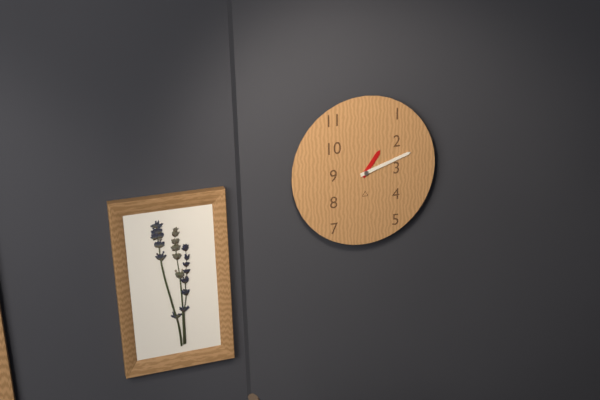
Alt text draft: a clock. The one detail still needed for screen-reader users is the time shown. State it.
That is 1:12
